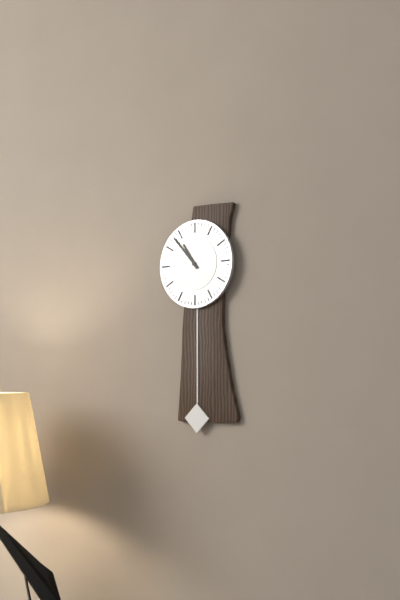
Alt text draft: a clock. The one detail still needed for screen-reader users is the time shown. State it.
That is 10:53
